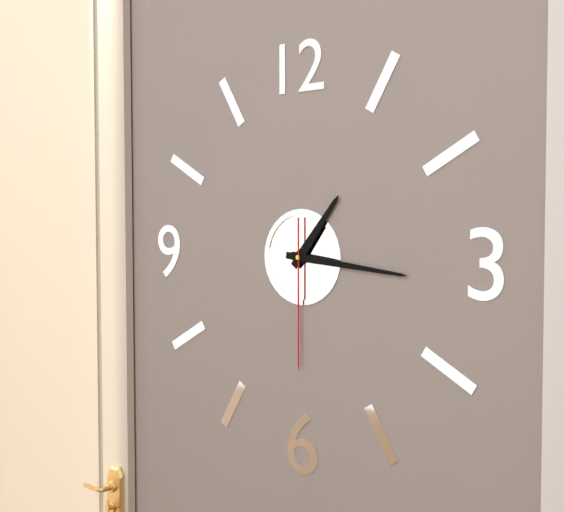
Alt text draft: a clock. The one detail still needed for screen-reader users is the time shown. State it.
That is 1:16:30
